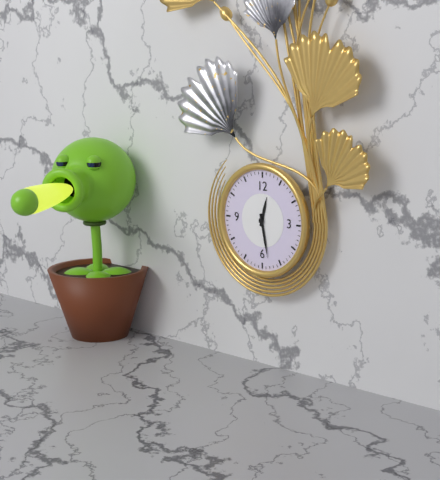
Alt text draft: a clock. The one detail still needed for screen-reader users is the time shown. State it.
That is 12:28
